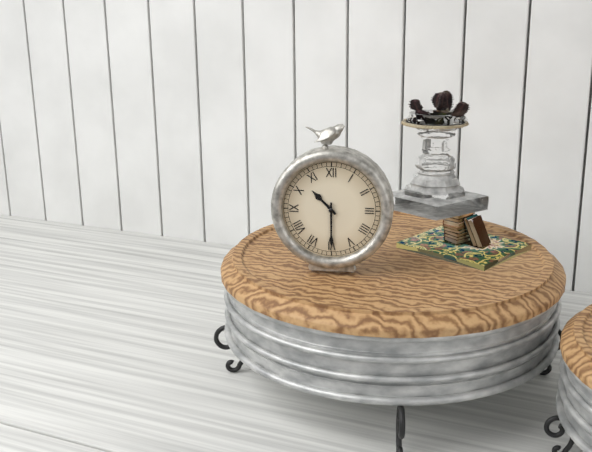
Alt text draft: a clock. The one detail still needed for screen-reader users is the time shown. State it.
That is 10:30
